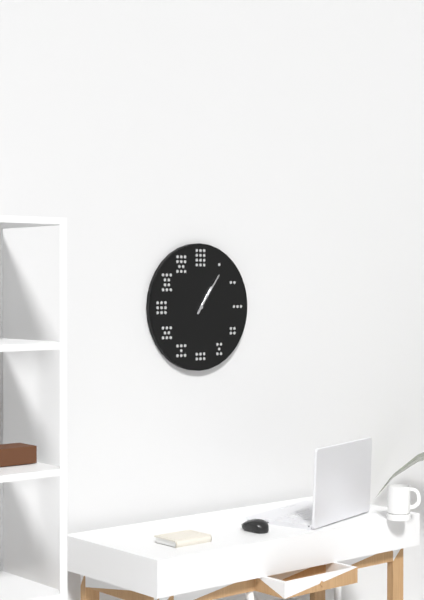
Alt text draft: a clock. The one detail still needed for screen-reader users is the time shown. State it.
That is 1:06
